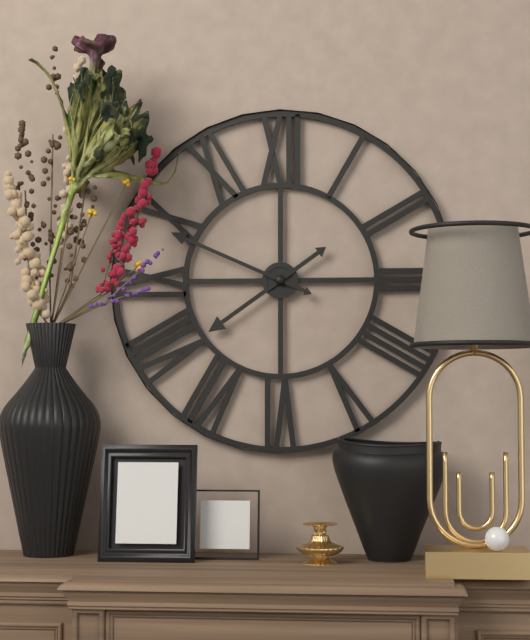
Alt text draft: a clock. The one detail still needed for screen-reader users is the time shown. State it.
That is 7:49
